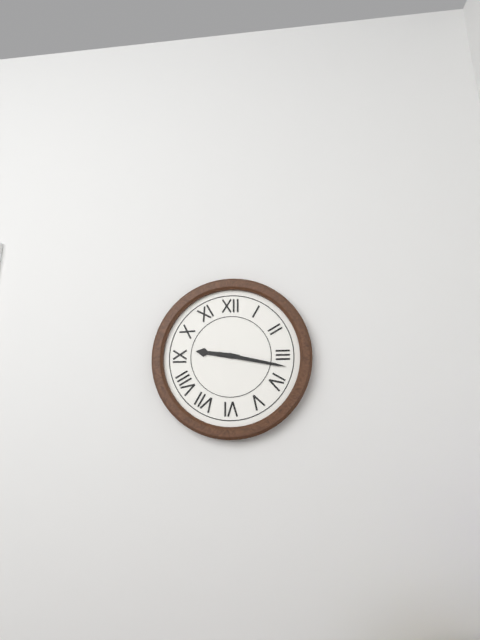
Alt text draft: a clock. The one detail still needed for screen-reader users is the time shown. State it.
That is 9:17
